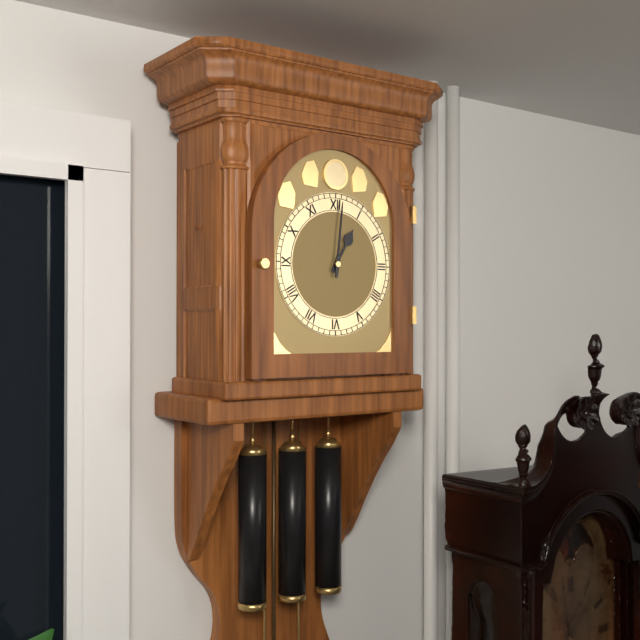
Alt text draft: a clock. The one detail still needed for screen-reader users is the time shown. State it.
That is 1:01
